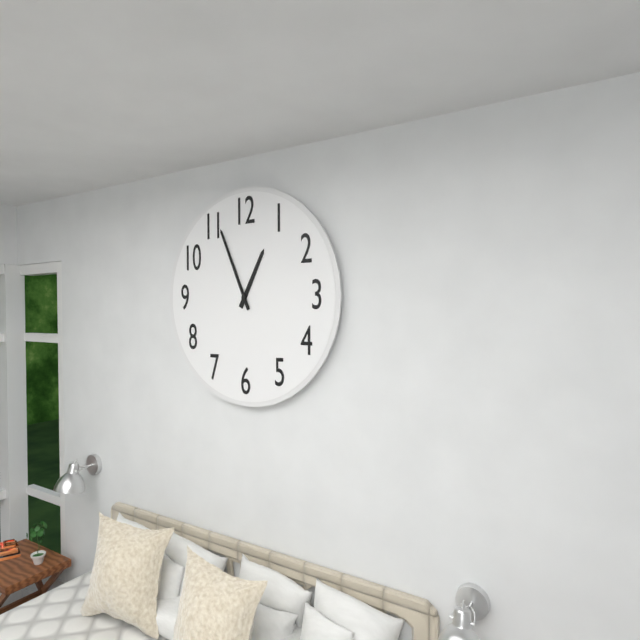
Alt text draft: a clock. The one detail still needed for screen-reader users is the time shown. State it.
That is 12:56
